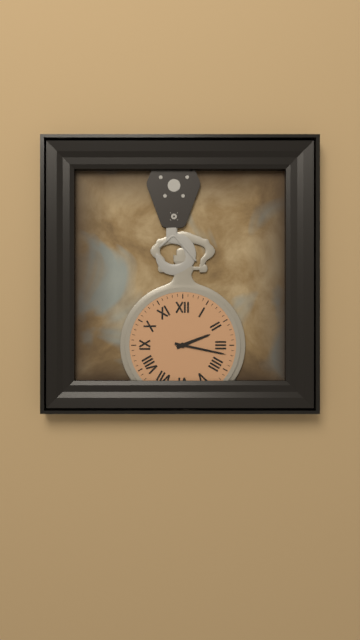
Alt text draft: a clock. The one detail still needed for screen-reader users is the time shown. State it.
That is 2:17
